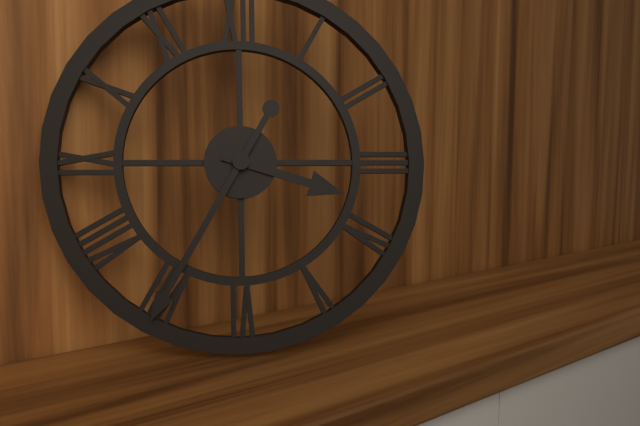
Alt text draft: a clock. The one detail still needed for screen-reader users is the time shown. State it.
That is 3:35
